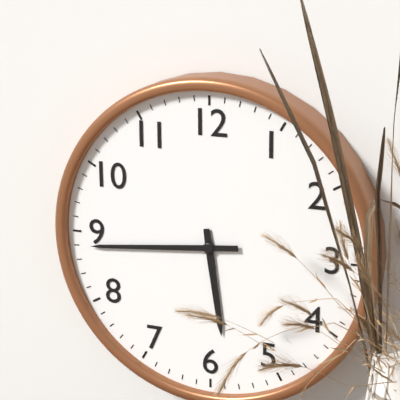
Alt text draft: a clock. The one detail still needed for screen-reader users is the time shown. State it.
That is 5:44
